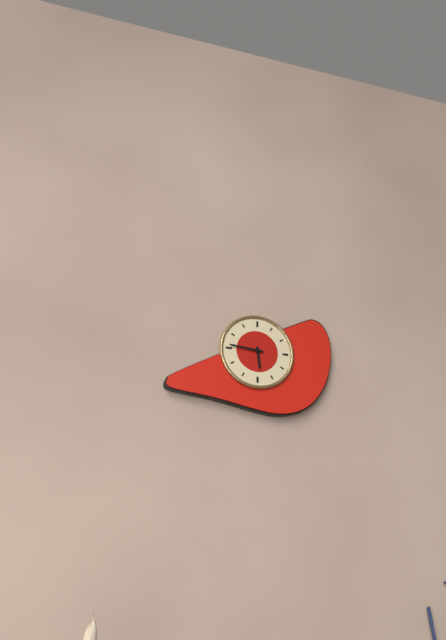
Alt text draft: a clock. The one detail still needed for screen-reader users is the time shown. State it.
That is 5:46
